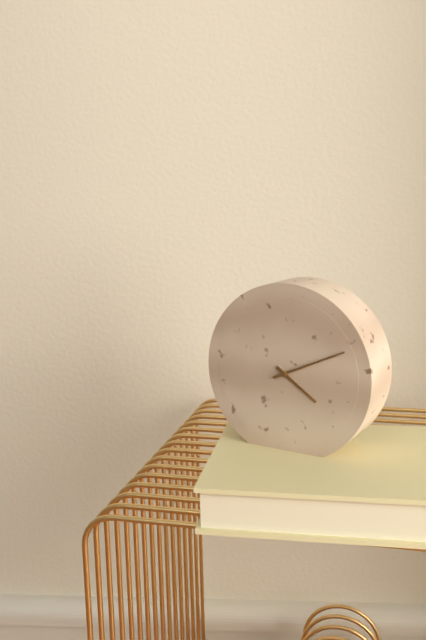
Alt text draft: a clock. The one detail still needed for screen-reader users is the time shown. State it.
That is 4:11
